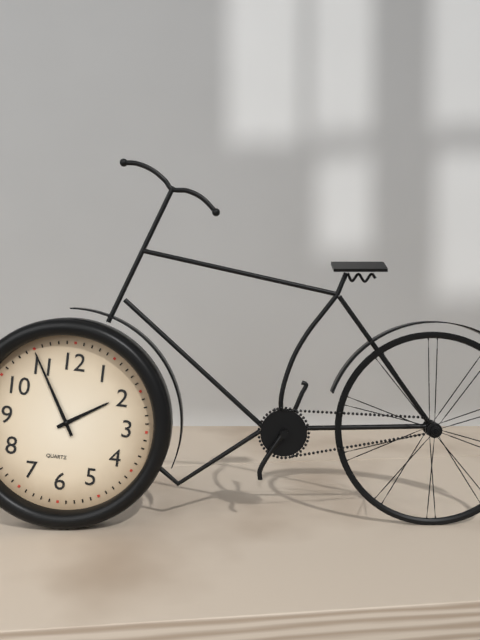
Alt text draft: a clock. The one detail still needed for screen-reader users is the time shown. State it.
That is 1:55
